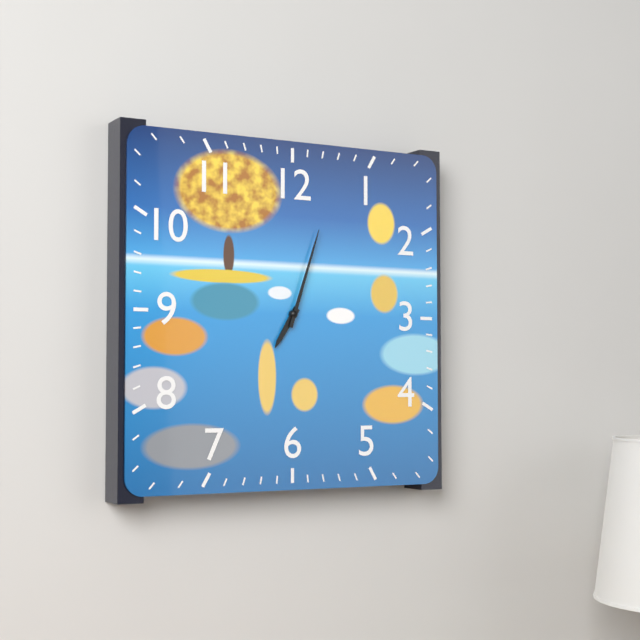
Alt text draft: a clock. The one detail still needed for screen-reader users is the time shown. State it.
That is 7:03
